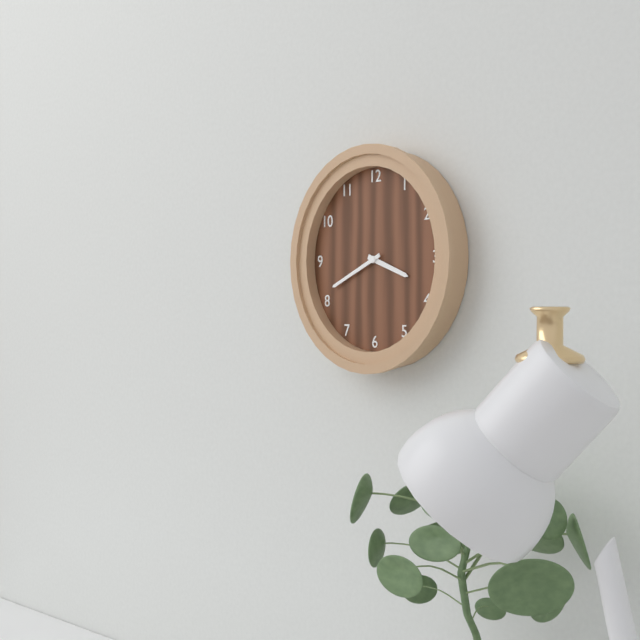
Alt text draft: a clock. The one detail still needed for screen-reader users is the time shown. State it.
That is 3:41
